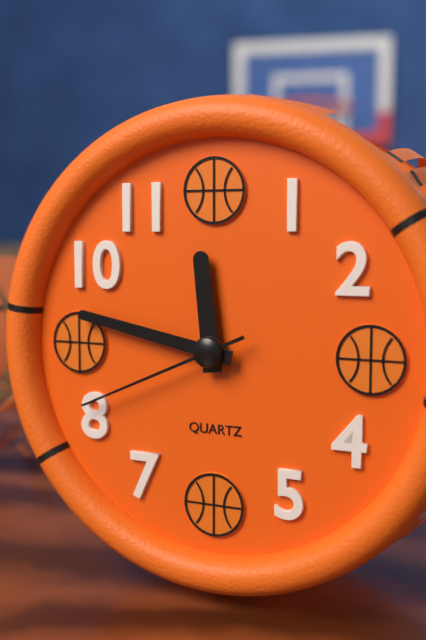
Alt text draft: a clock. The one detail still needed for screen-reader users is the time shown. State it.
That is 11:47:41
